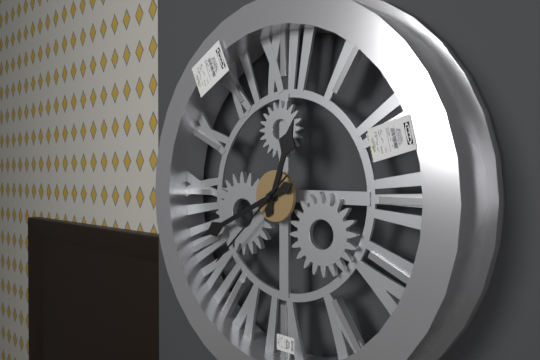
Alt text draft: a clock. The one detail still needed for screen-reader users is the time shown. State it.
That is 12:41:38
